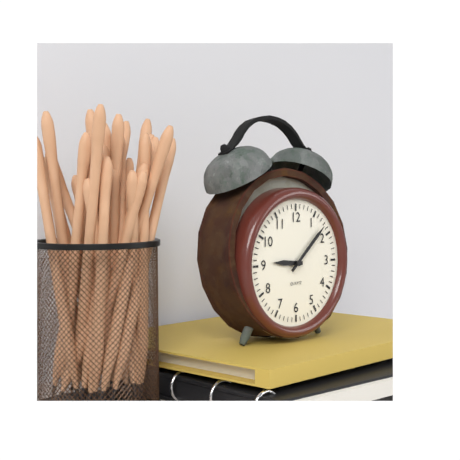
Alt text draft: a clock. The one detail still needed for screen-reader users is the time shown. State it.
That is 9:08
